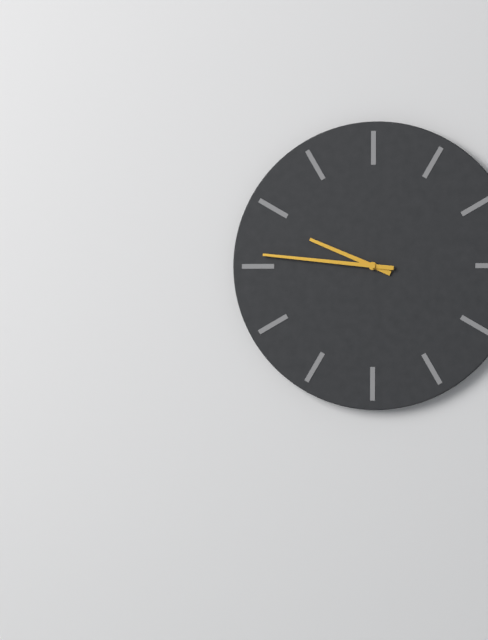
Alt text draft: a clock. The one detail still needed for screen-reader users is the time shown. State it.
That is 9:46
